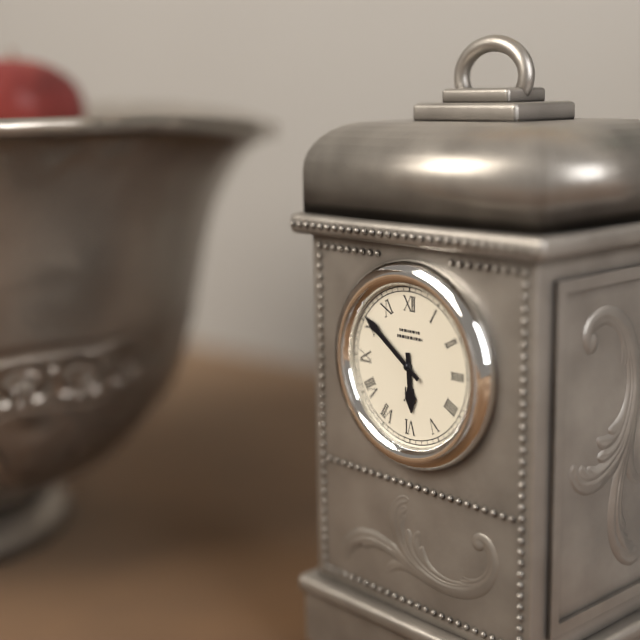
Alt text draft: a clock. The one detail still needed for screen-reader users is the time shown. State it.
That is 5:51
